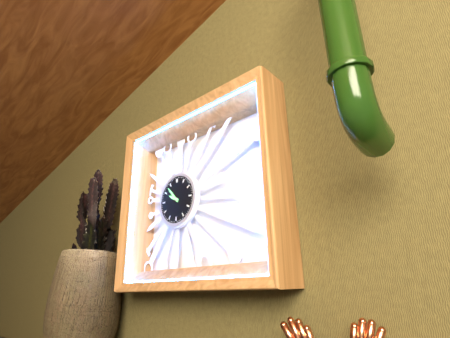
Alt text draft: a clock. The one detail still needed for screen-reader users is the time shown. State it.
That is 9:53
